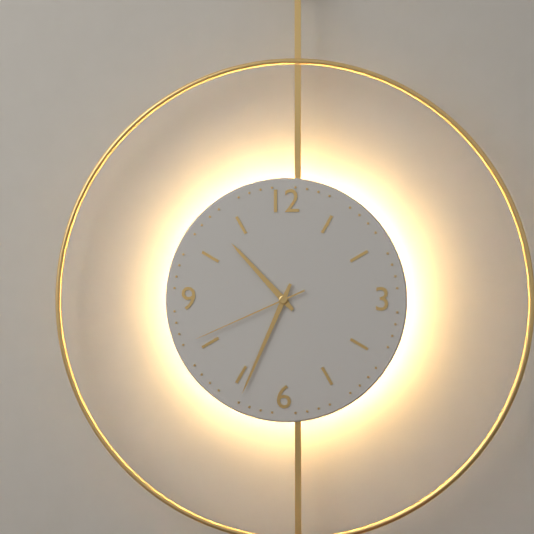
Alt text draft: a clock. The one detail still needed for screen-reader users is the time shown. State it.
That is 10:34:41
